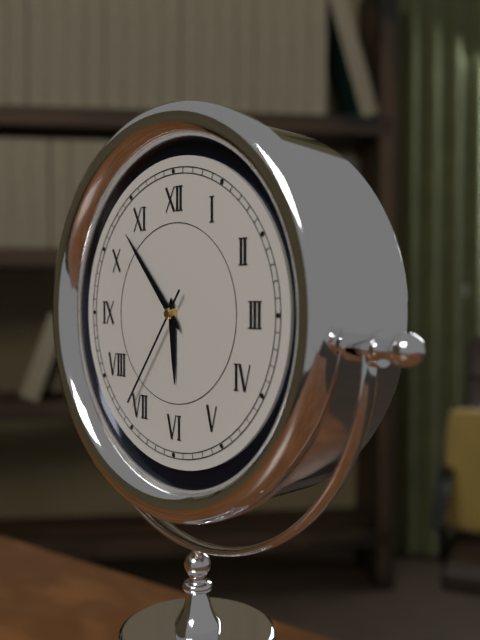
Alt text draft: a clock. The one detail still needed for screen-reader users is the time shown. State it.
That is 5:53:36
